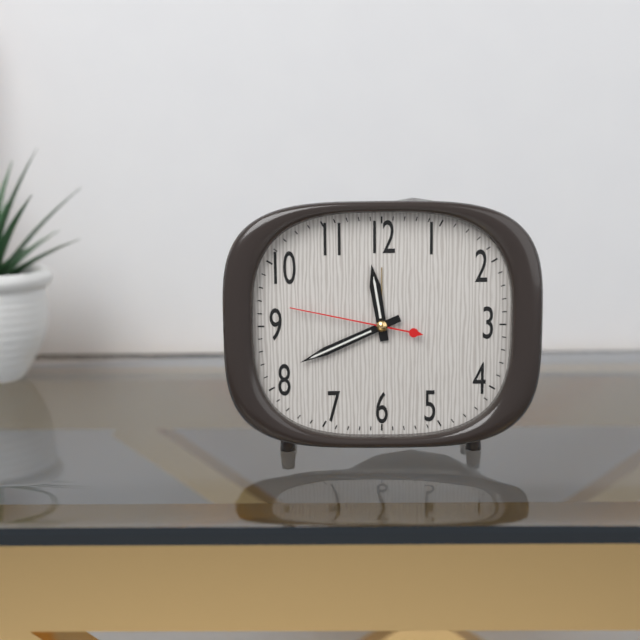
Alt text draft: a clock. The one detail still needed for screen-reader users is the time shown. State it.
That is 11:41:47
